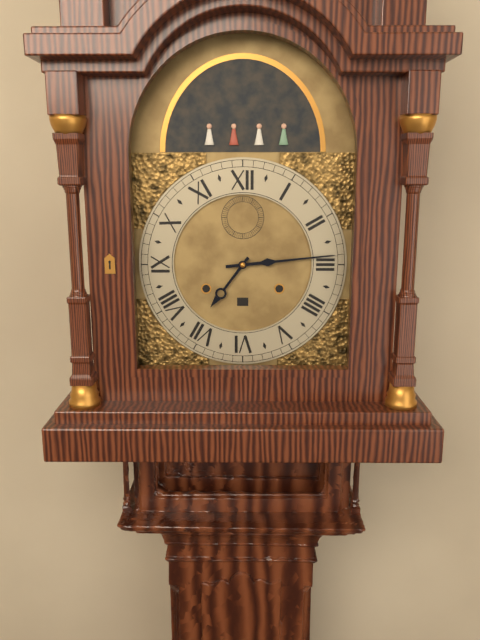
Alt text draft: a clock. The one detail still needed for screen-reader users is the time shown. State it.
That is 7:14
